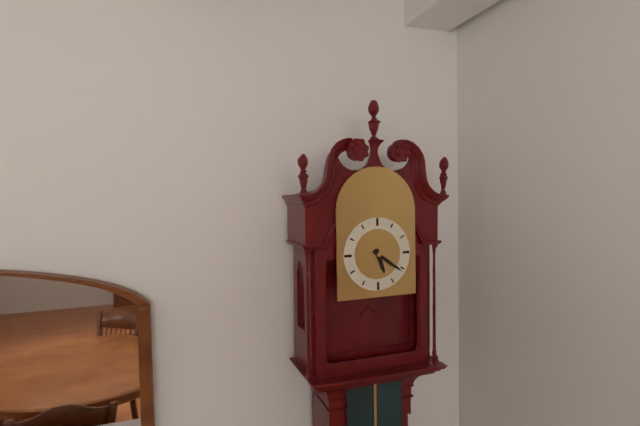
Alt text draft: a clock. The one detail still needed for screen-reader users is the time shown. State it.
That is 5:21
